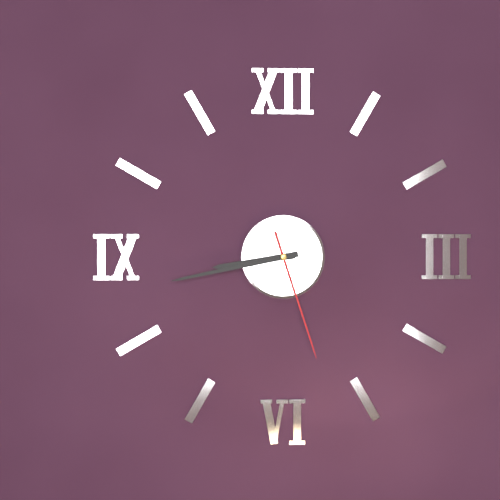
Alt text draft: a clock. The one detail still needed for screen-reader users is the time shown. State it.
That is 8:43:27
